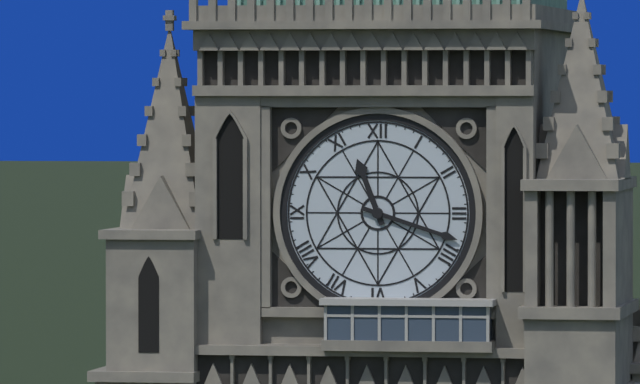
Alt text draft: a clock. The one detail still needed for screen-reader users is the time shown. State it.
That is 11:18
